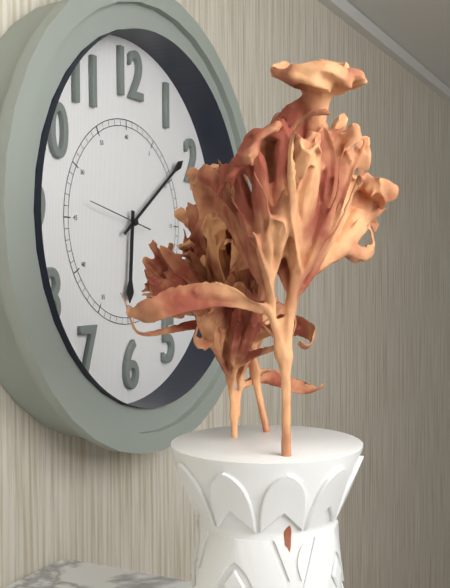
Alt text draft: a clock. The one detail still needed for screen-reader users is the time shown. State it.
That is 6:09:47
